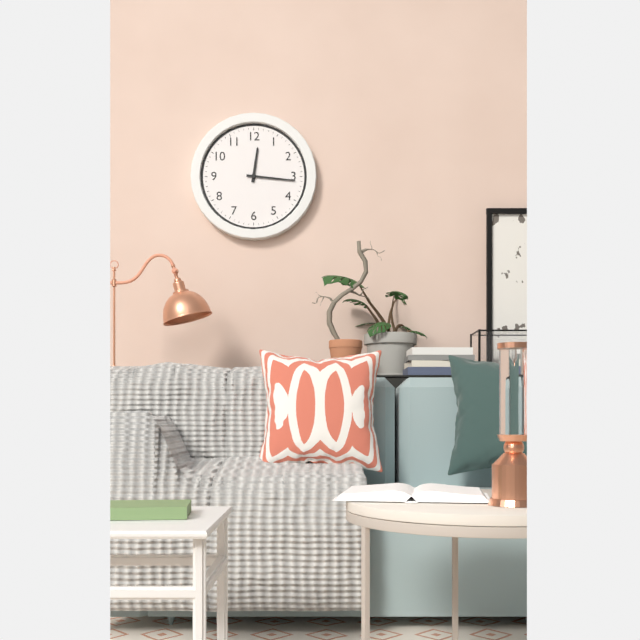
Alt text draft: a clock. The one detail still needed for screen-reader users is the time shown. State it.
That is 12:16
